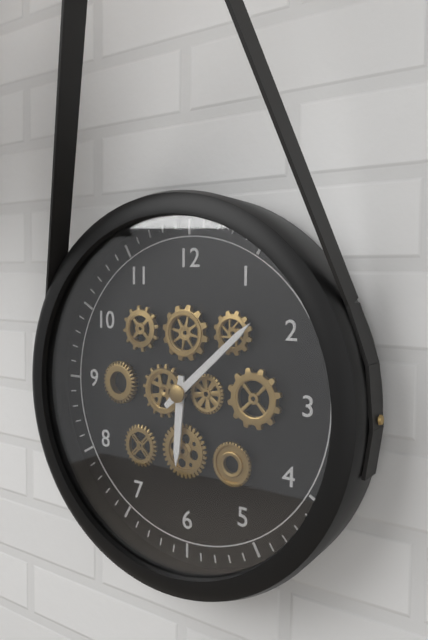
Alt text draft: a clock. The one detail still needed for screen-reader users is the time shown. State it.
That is 6:08
